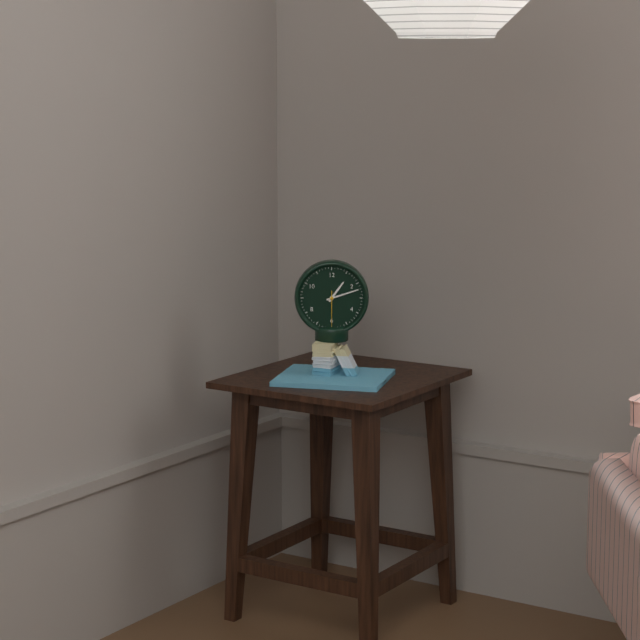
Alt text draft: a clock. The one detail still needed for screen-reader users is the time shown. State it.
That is 1:12
